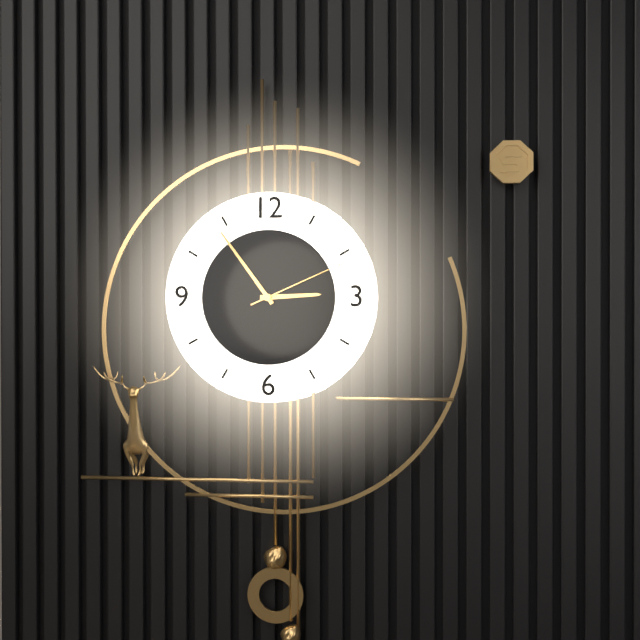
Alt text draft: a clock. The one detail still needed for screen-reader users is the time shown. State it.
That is 2:54:11
